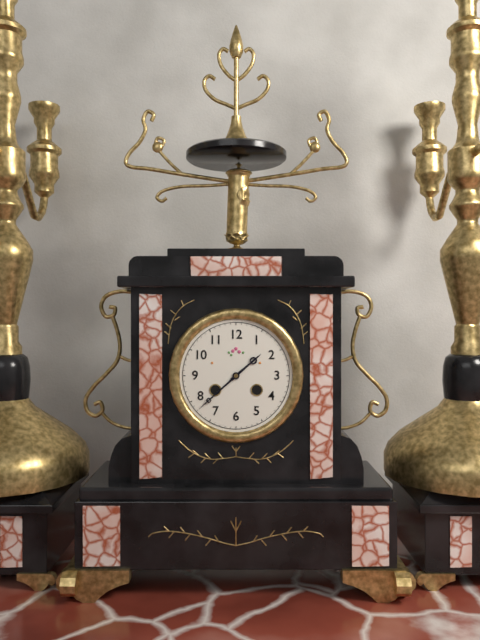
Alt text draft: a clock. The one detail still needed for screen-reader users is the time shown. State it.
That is 1:38
